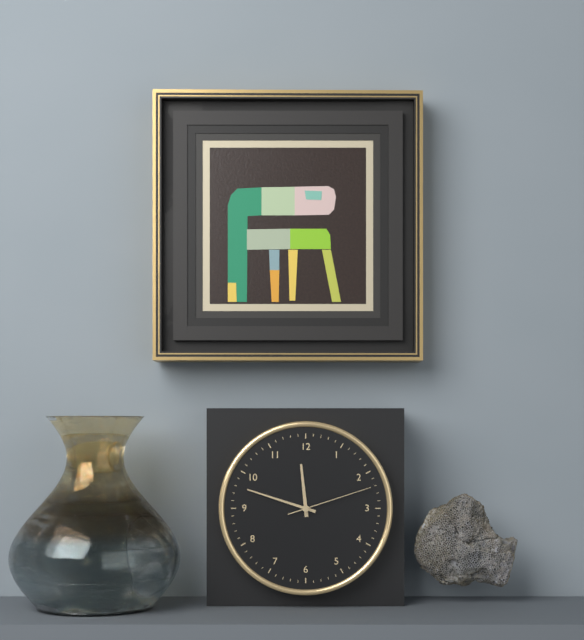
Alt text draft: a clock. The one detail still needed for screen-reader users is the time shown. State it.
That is 11:48:12
